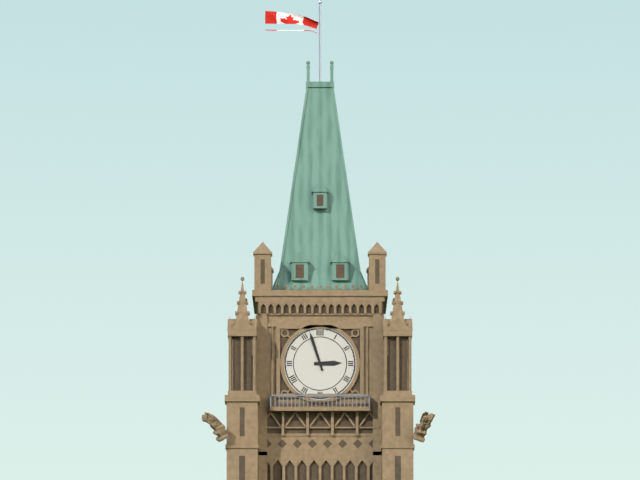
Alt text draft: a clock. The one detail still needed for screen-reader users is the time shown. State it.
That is 2:57
